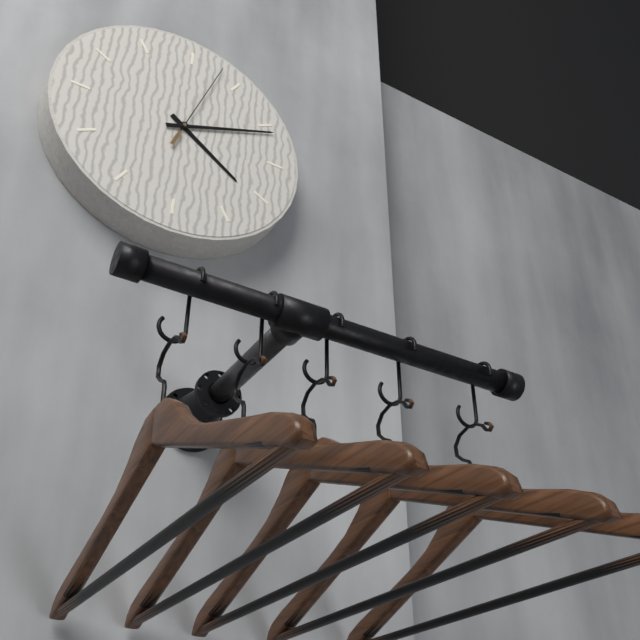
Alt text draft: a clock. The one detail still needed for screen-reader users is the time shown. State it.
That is 4:11:03
